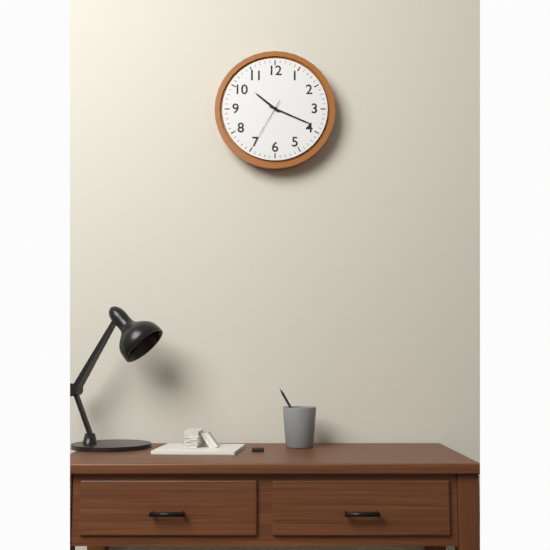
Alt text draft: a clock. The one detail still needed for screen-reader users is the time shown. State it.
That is 10:19:35
